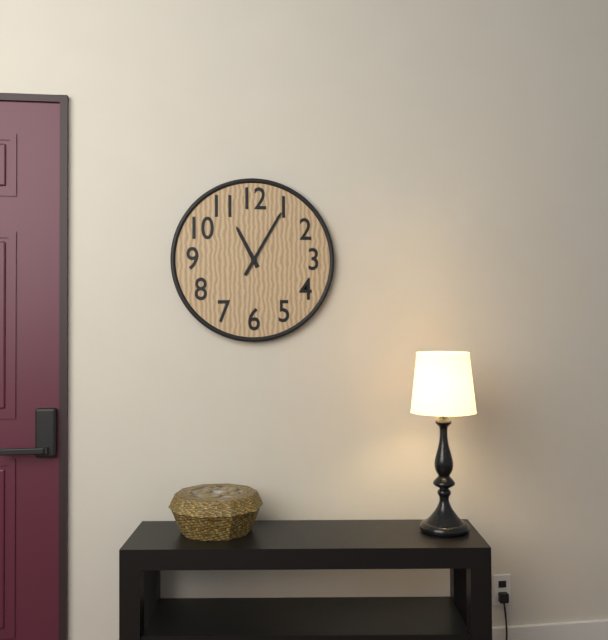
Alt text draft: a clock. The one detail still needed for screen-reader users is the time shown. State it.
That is 11:05
